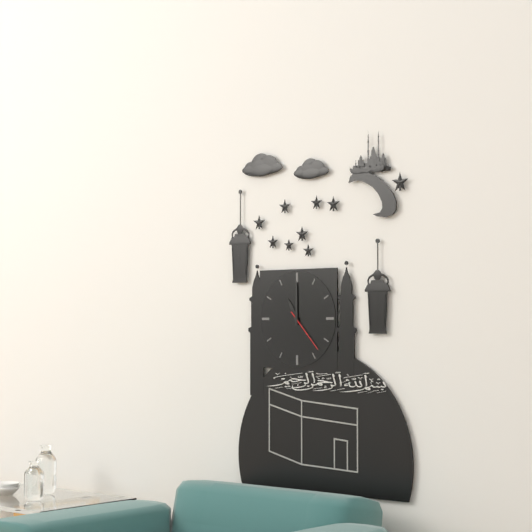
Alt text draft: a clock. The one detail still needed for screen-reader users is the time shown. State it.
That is 11:00
